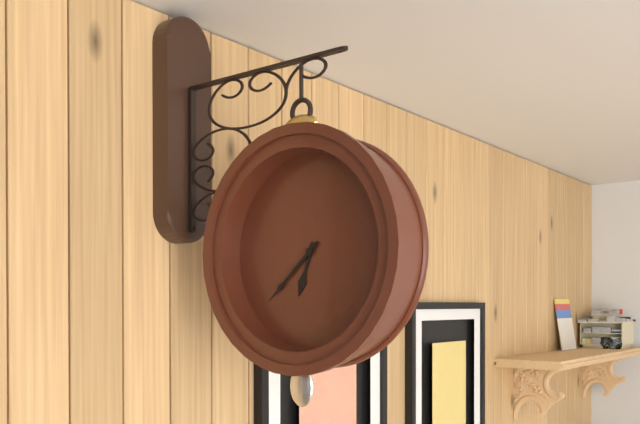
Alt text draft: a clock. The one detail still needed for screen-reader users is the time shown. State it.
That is 6:38
